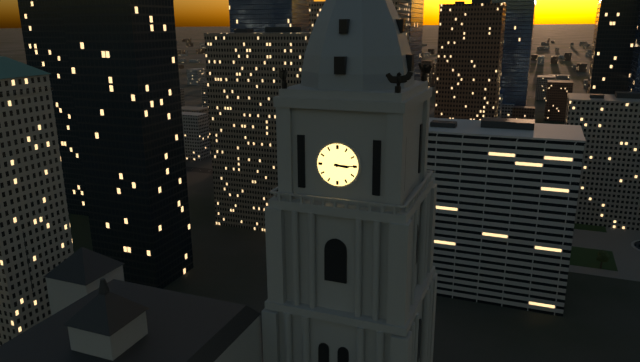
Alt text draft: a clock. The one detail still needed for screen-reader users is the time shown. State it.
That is 3:15
